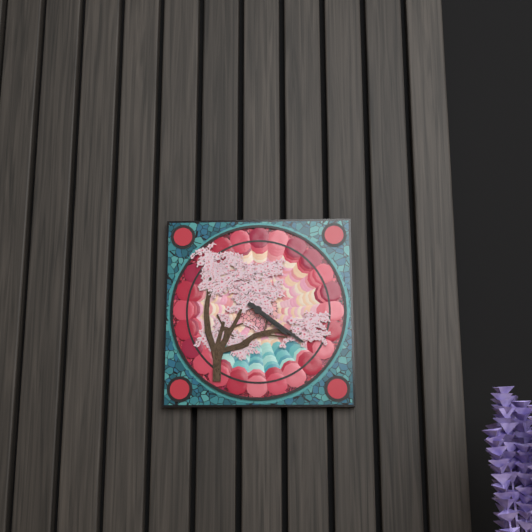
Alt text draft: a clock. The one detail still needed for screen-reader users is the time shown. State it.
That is 4:21
